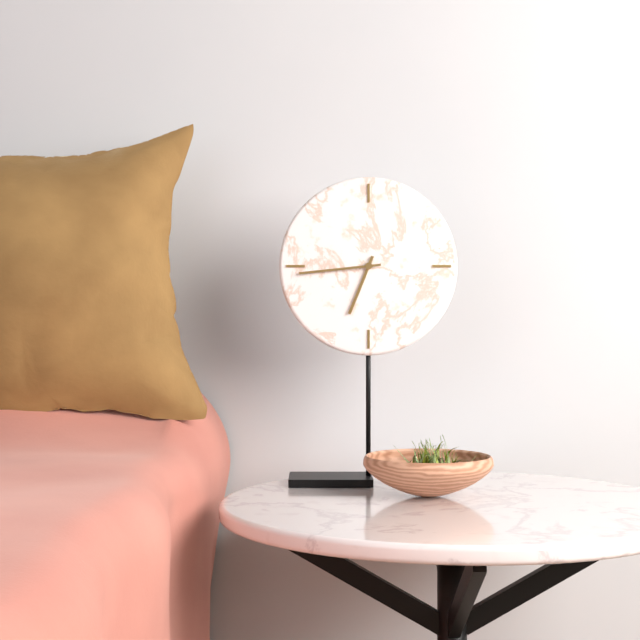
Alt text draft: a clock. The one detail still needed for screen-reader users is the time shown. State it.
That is 6:44
